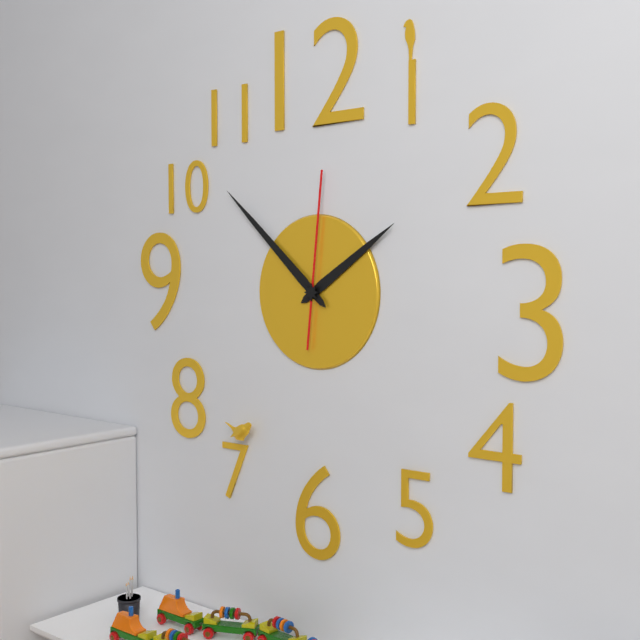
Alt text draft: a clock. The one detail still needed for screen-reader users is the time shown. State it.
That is 1:52:01
